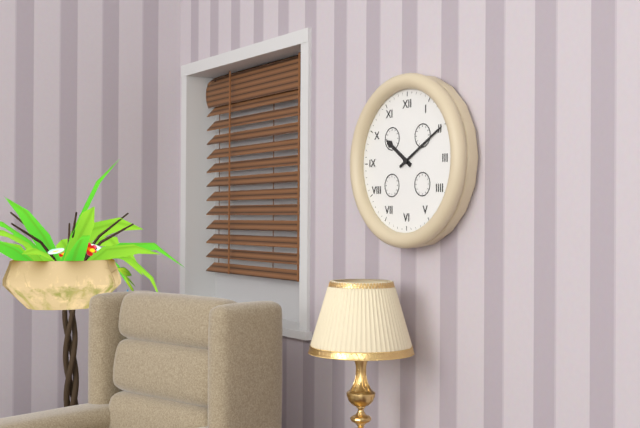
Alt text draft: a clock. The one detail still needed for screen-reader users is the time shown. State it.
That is 10:10
